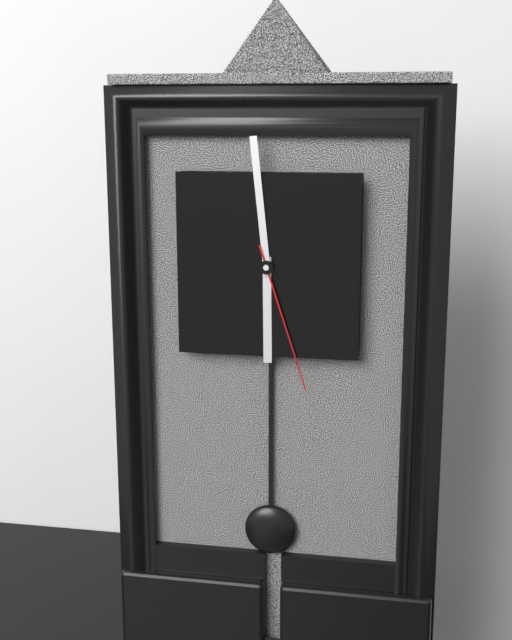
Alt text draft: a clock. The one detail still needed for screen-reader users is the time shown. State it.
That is 5:59:27
